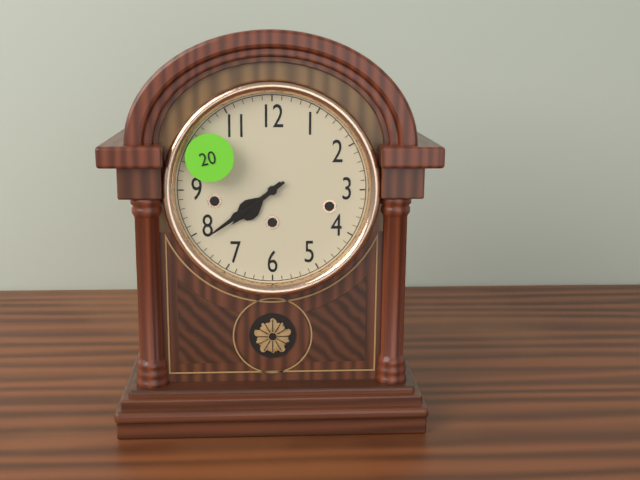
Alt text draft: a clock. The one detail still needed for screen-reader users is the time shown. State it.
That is 7:39
